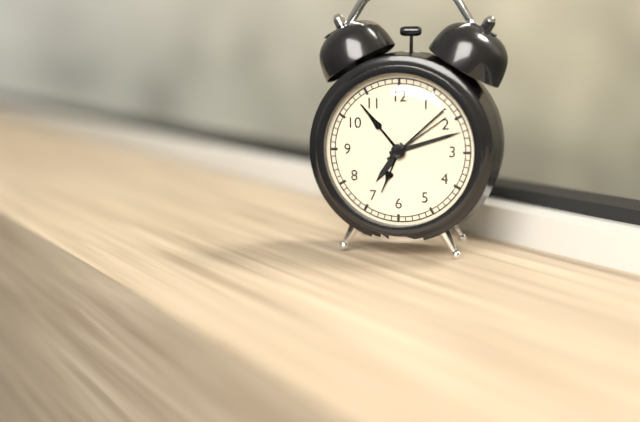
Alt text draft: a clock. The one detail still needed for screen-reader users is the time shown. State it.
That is 7:12:09
